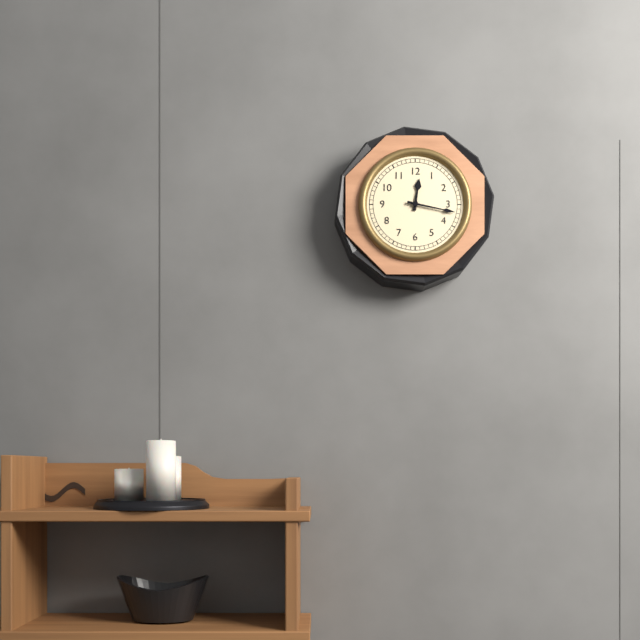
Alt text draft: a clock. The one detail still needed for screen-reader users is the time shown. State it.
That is 12:17
